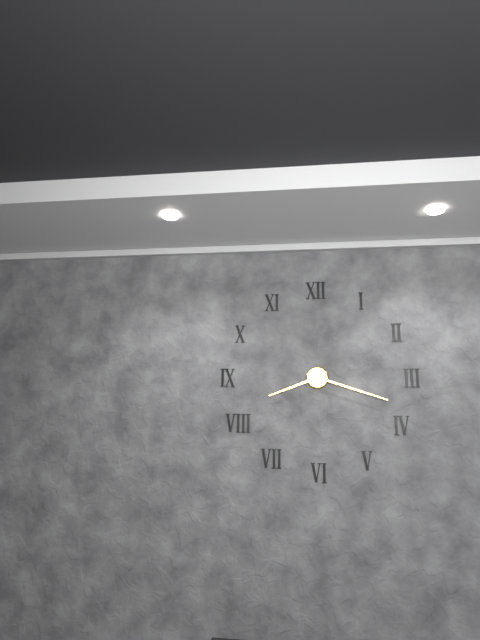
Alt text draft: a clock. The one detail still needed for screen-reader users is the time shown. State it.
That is 8:18
